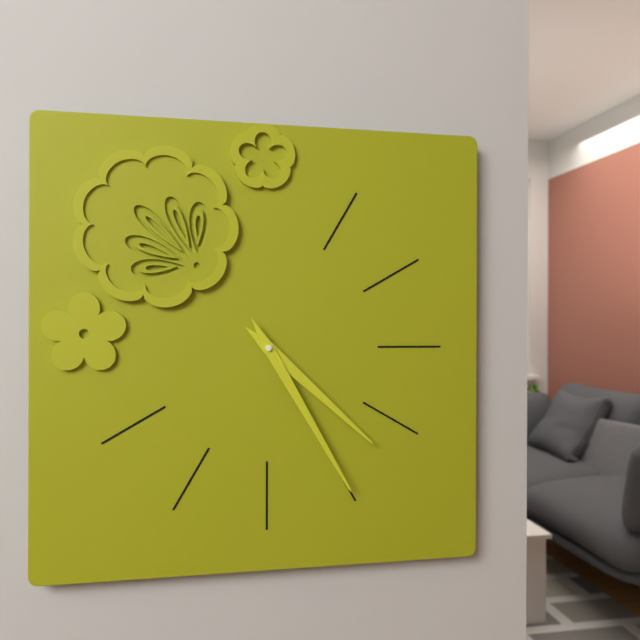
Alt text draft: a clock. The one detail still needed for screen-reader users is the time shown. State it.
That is 4:25
